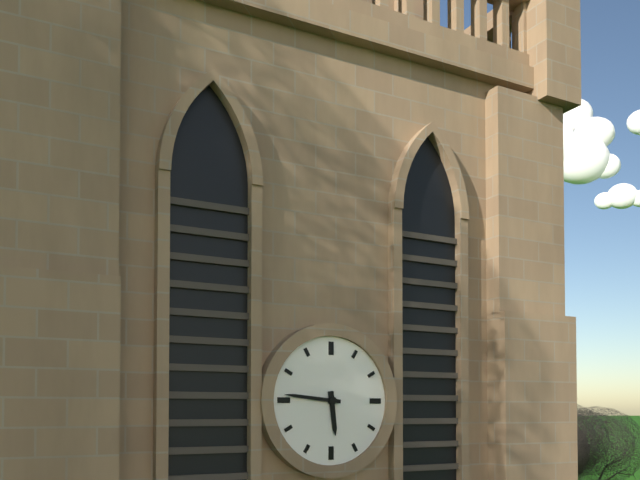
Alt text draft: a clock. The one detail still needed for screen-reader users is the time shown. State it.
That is 5:46
